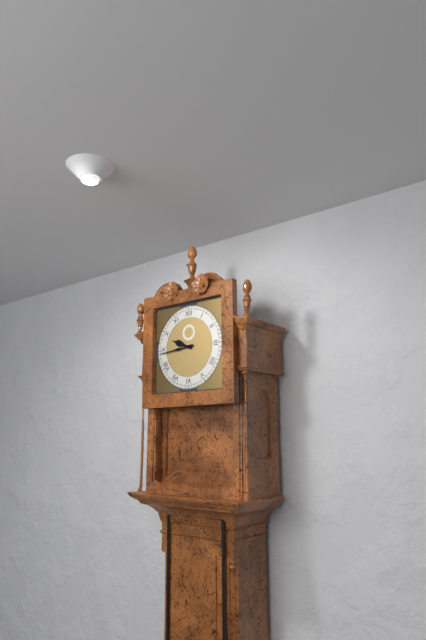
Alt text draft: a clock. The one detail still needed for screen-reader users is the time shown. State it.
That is 9:44
